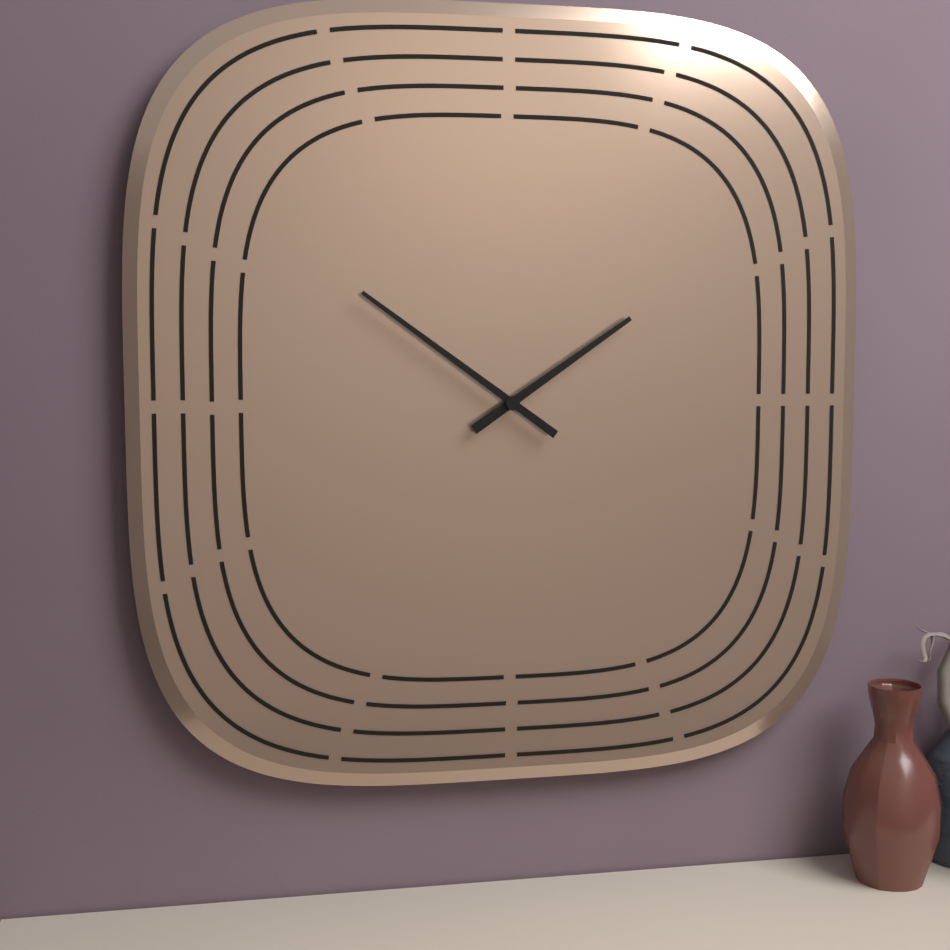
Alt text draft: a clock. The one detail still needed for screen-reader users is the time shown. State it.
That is 1:51
